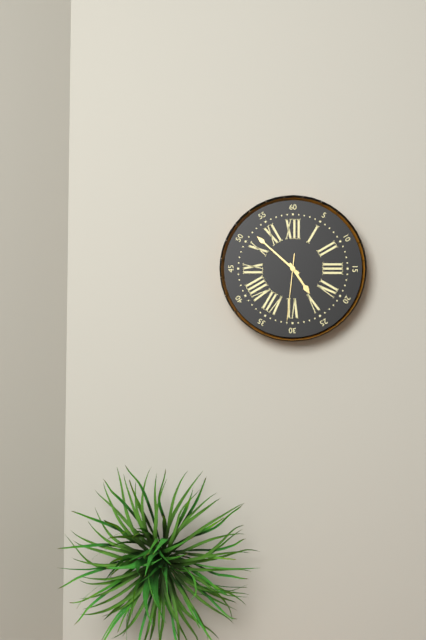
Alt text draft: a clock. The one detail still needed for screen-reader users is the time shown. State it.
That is 4:52:31
